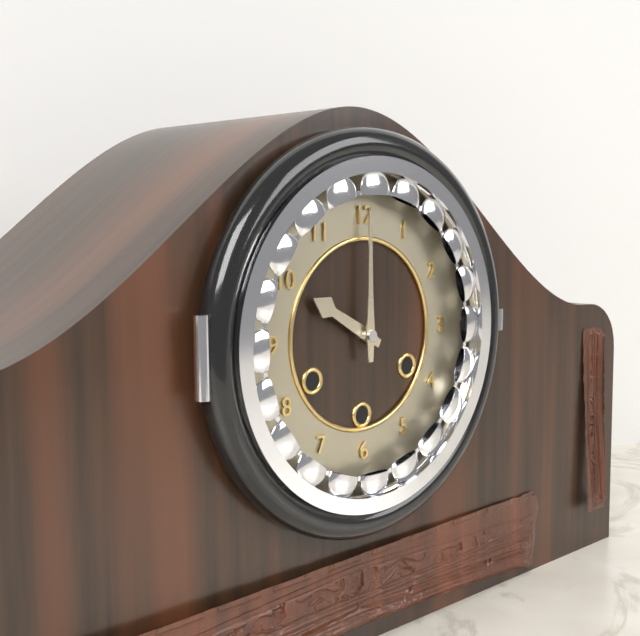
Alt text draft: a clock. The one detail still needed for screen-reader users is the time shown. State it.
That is 10:00
